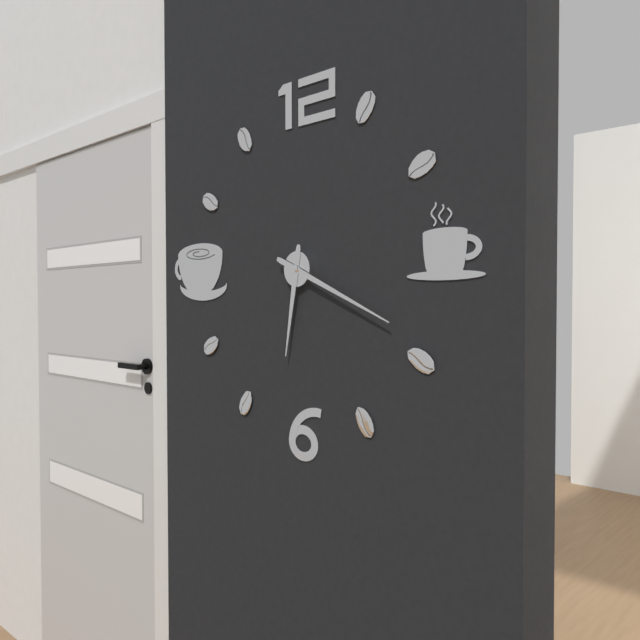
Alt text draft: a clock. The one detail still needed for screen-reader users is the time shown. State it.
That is 6:19
